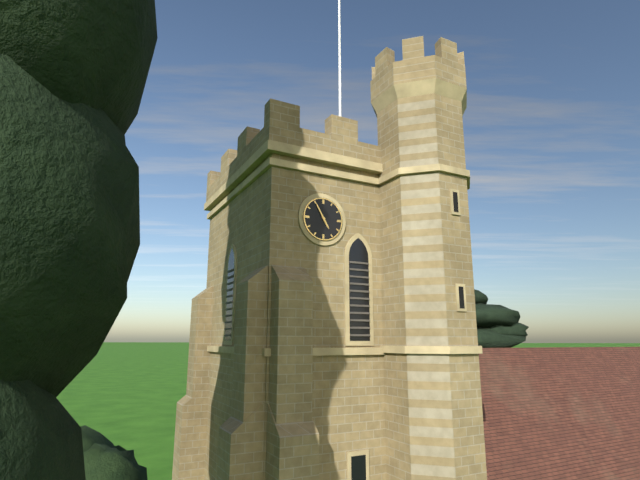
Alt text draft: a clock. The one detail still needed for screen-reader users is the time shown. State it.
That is 4:55
